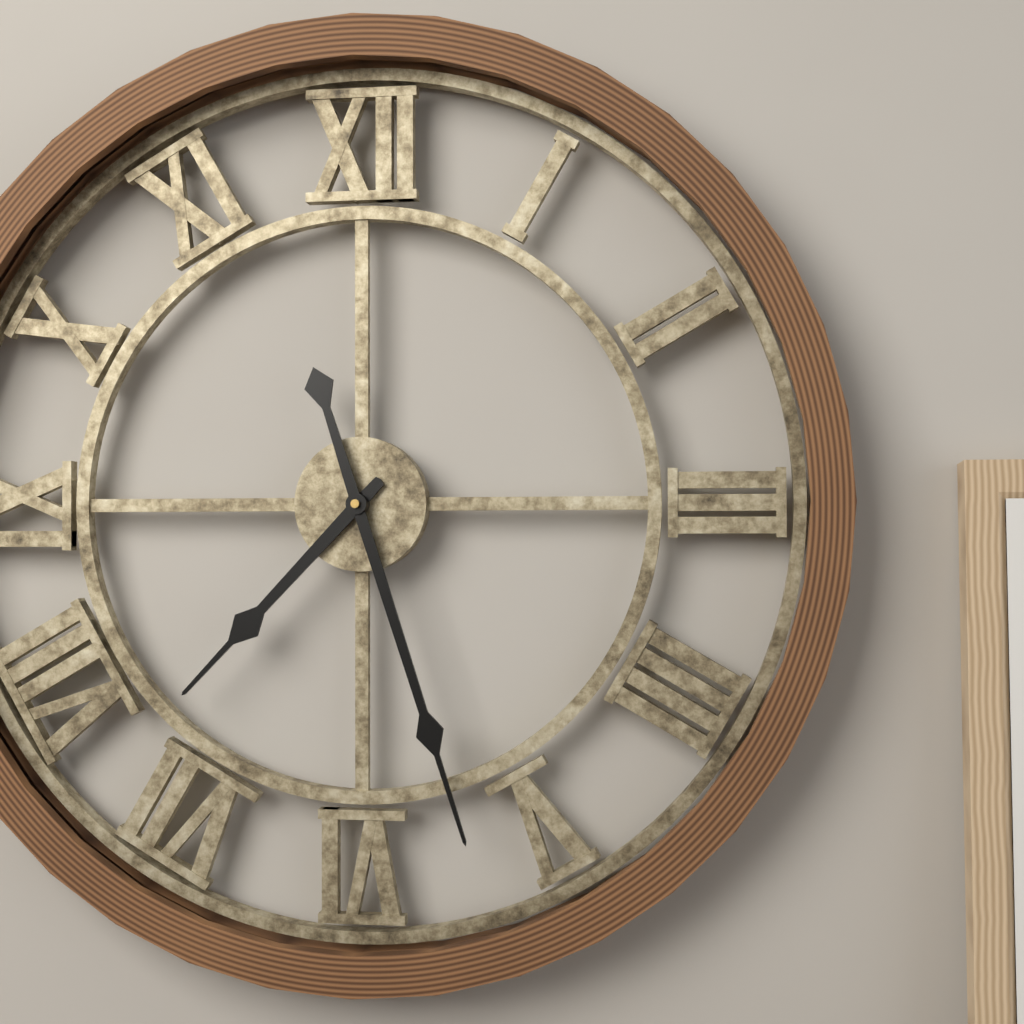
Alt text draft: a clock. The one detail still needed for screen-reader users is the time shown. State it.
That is 7:27
